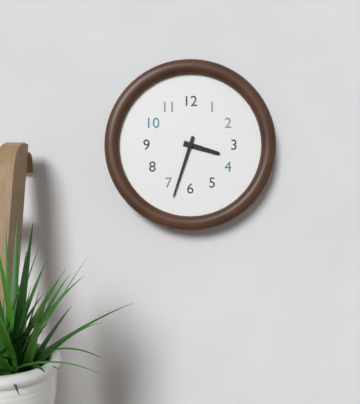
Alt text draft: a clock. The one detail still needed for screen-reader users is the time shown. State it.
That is 3:33
